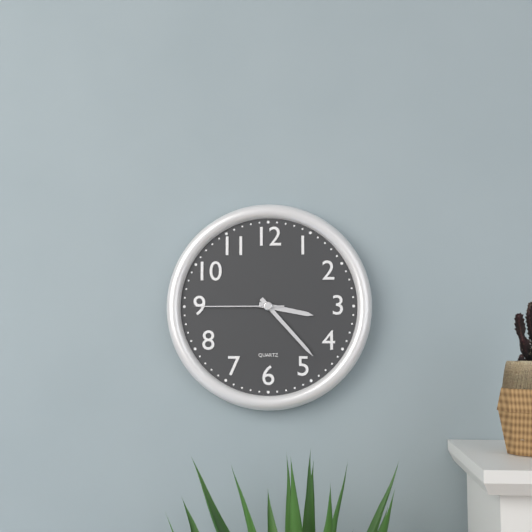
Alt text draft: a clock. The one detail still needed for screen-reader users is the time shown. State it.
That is 3:23:45
